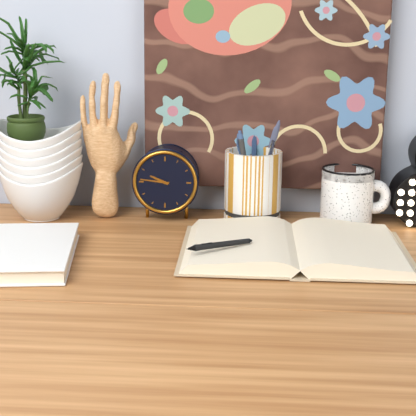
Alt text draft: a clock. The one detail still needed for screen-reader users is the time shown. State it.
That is 9:46
